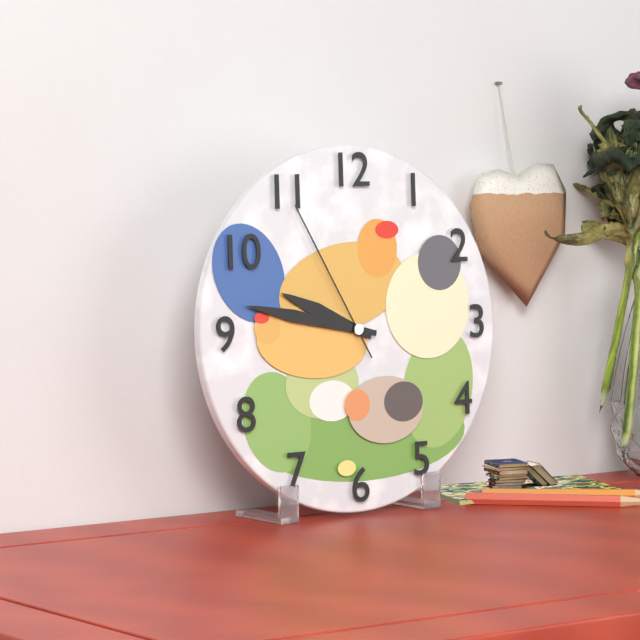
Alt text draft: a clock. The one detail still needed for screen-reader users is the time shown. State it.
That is 9:47:55
